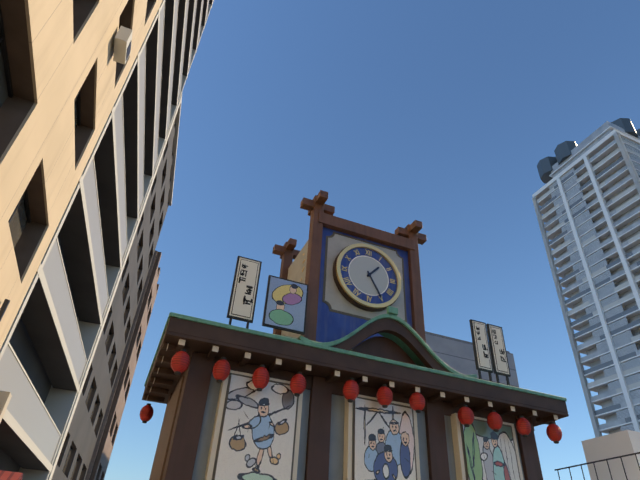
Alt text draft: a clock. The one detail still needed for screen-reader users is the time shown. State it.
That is 1:25
